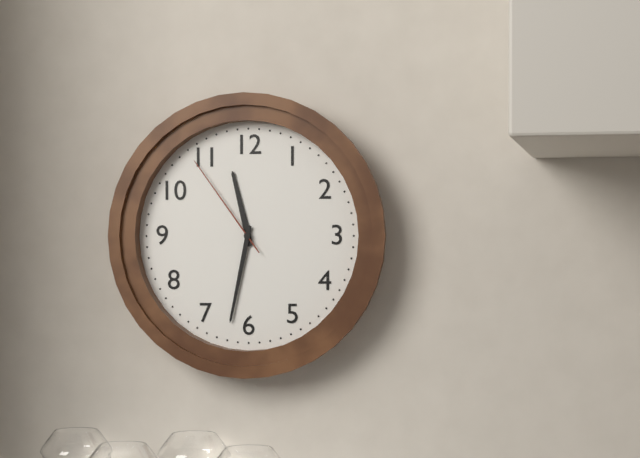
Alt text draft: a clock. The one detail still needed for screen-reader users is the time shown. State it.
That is 11:32:54
